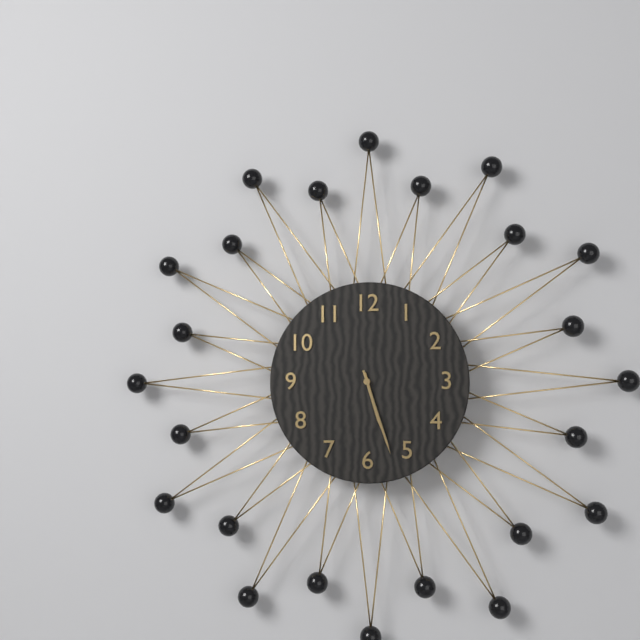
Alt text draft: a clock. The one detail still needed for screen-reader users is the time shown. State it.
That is 5:27
